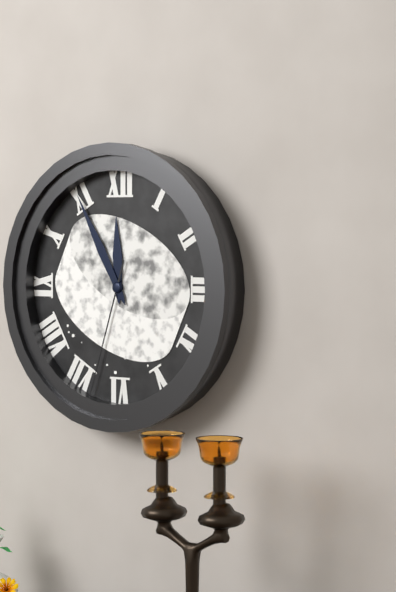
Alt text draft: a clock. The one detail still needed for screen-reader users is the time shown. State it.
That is 11:55:33
